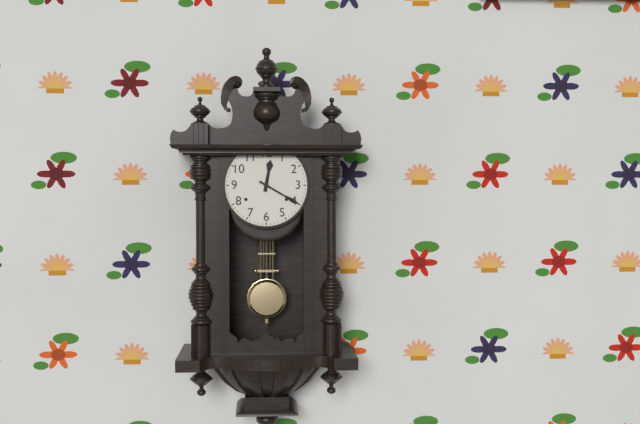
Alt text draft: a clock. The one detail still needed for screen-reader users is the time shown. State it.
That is 12:20
